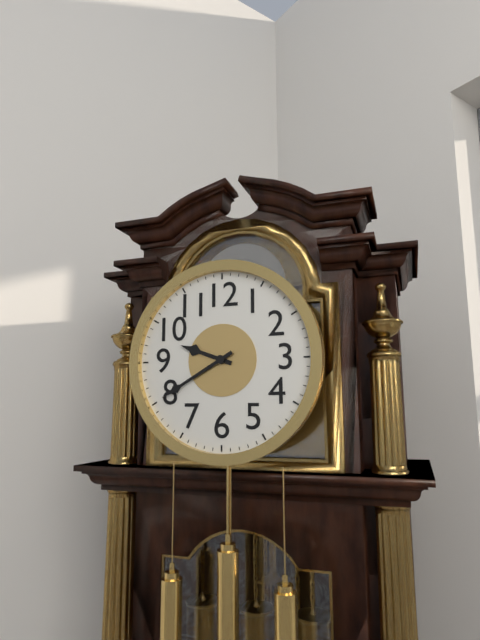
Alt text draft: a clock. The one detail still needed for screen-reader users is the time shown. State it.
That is 9:40
